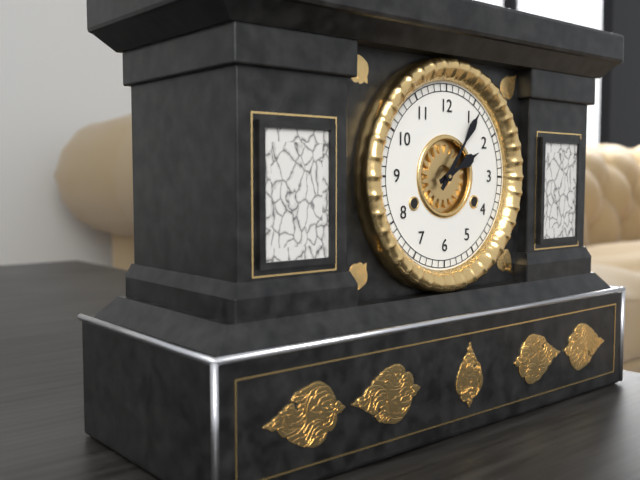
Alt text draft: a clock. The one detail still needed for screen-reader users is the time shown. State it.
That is 2:06
